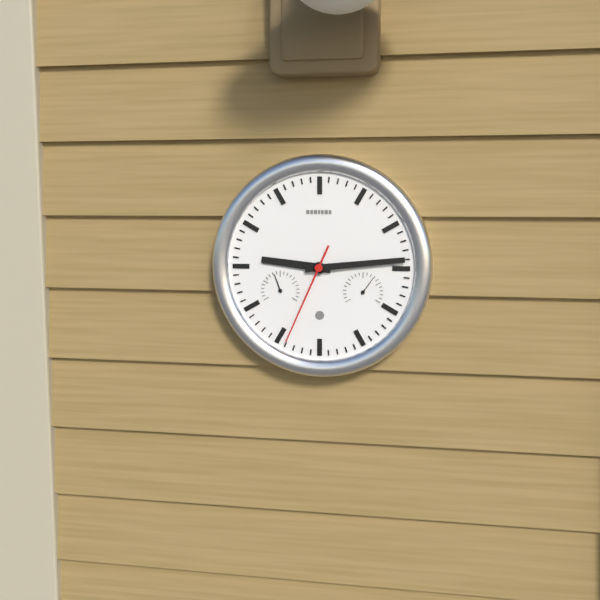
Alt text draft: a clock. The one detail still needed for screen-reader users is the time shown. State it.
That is 9:14:34
